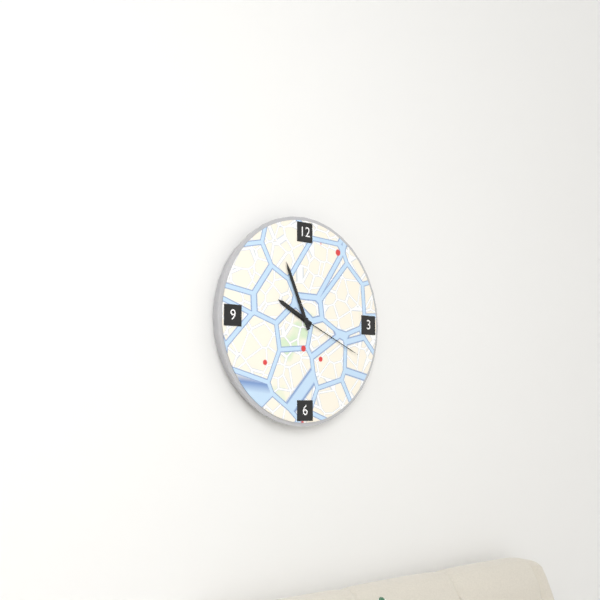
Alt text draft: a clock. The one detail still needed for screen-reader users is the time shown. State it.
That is 9:56:19
